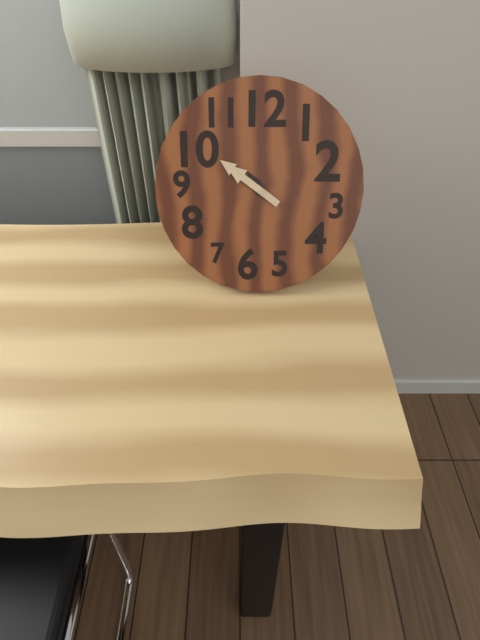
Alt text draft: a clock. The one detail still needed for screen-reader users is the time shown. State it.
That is 10:51
